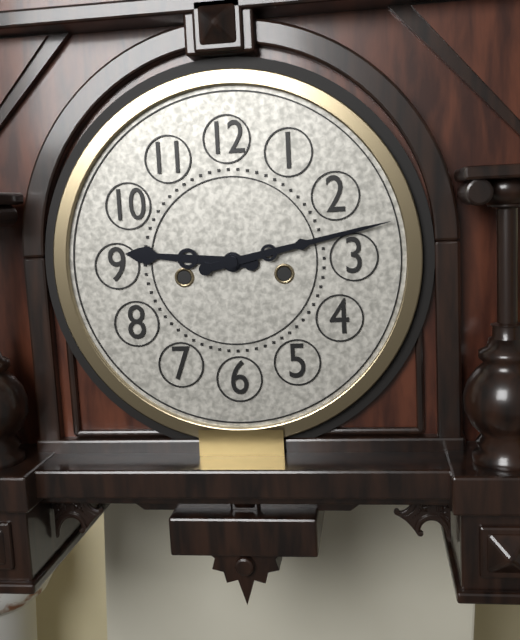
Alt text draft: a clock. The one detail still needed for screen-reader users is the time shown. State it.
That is 9:13
